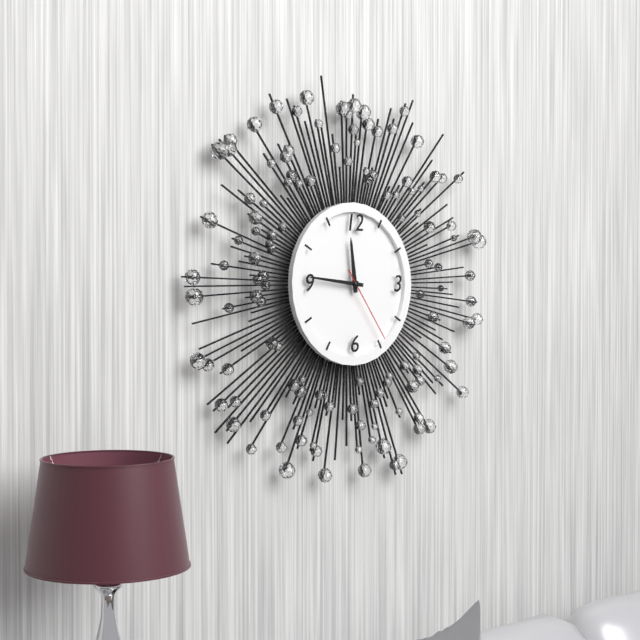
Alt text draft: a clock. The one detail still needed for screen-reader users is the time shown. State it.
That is 11:46:24
